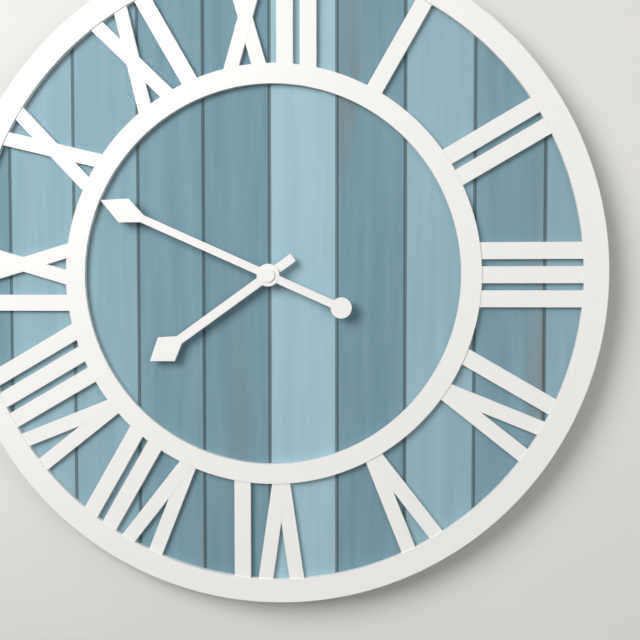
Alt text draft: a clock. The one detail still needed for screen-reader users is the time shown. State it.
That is 7:49
